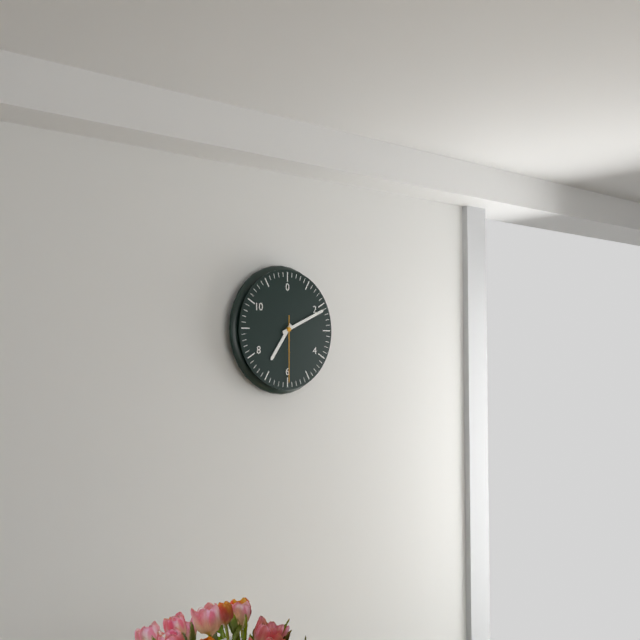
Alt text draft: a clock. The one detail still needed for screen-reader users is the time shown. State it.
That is 7:11:30
